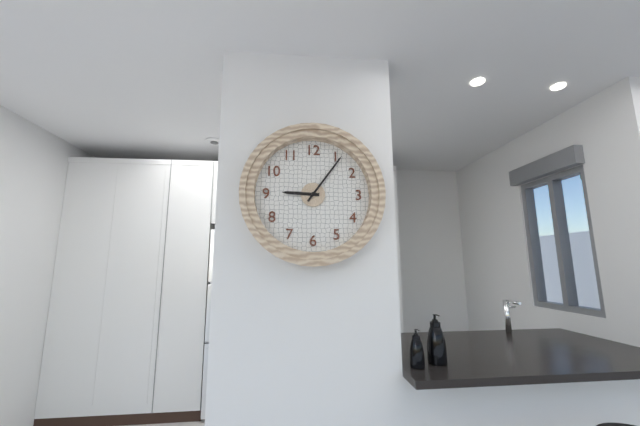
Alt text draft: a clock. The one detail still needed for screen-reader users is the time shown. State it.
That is 9:06
